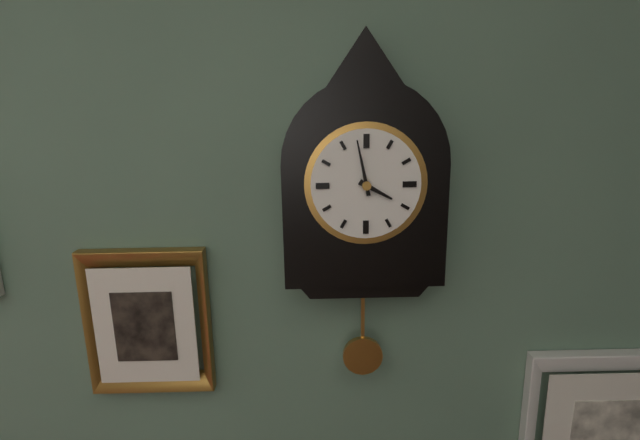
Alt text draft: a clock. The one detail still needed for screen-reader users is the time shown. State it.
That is 3:58
